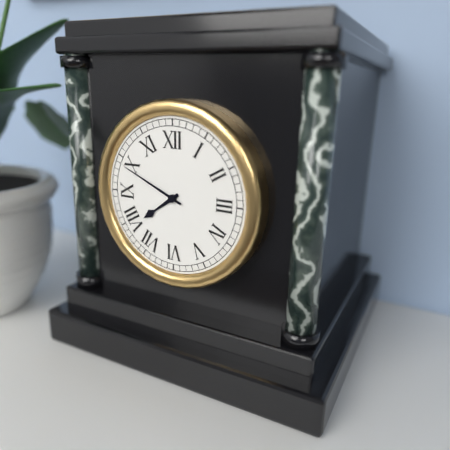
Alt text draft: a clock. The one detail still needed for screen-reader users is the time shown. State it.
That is 7:49
